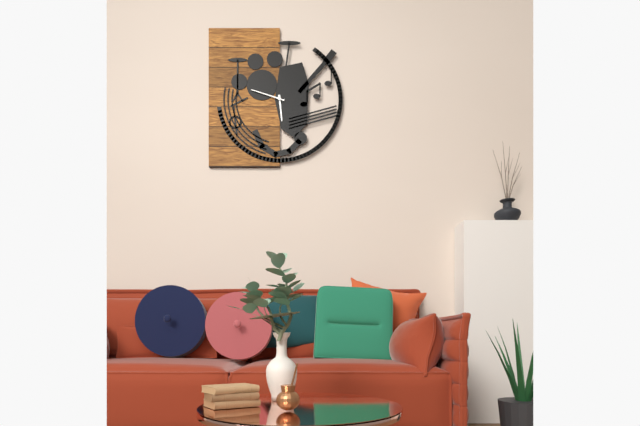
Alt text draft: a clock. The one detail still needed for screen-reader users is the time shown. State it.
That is 5:48
